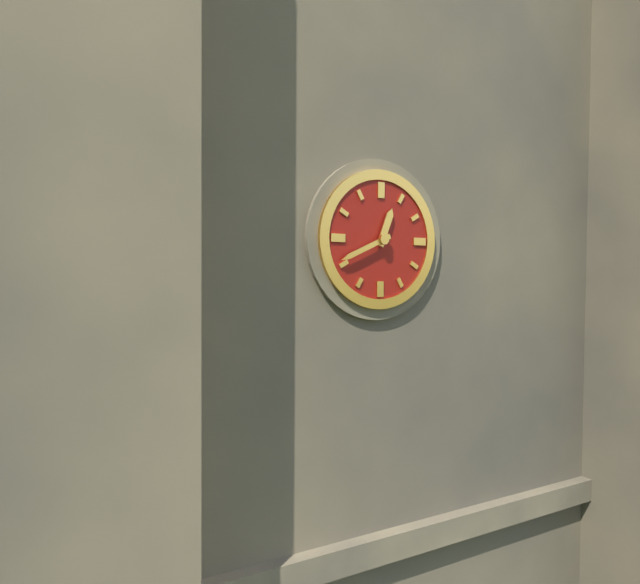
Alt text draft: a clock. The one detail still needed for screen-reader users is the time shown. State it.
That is 12:41
